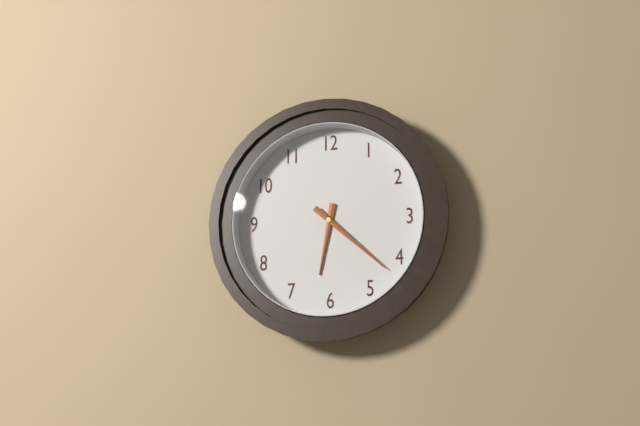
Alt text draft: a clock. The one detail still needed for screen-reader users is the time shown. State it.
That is 6:22
